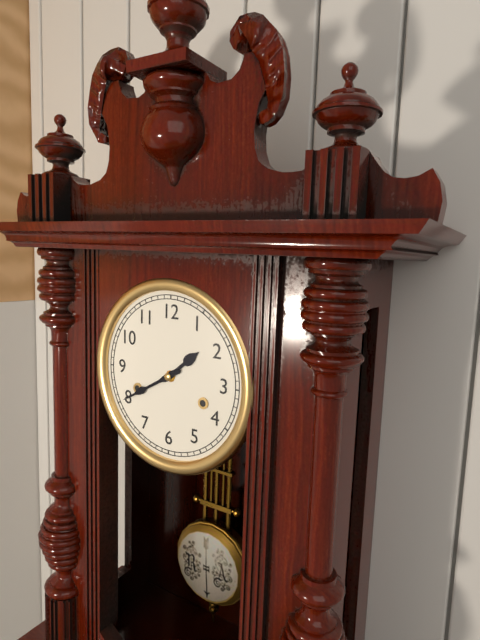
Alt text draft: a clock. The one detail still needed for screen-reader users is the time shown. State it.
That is 1:40
